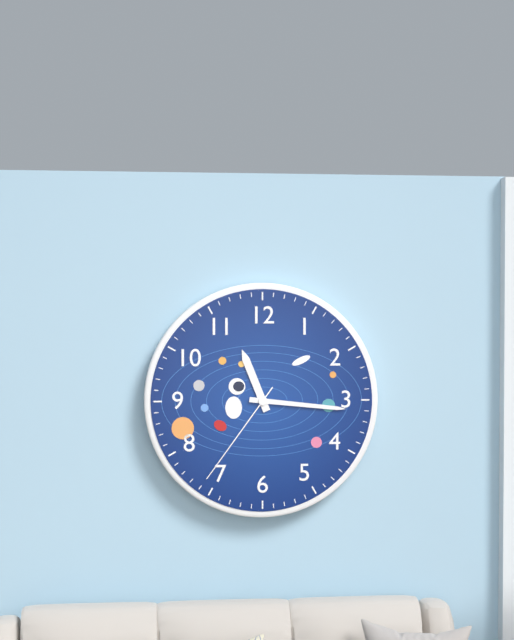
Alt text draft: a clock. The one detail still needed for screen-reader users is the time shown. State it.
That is 11:16:36
